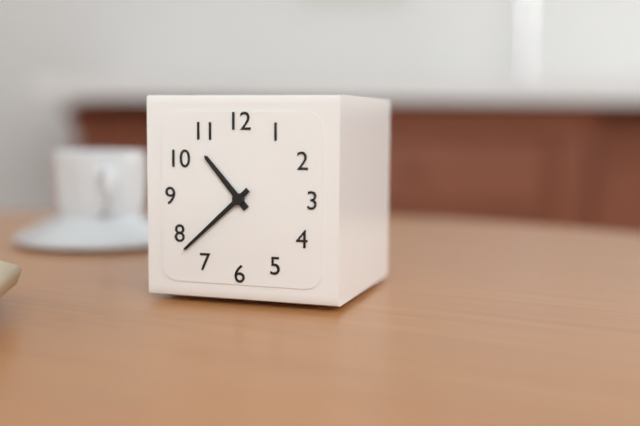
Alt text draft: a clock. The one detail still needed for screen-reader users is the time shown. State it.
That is 10:38
